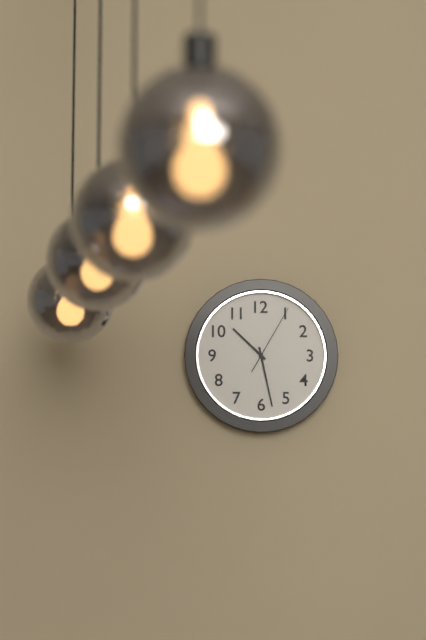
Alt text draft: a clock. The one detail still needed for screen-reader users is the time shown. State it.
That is 10:28:05
